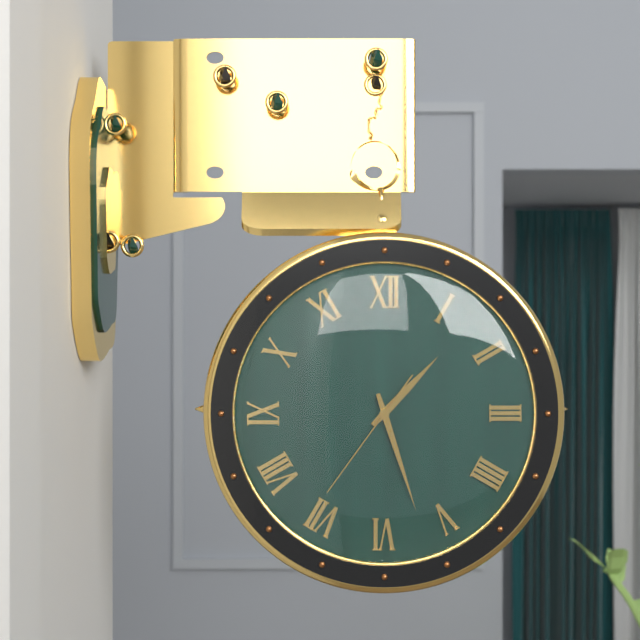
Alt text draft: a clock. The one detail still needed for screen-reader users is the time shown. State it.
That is 1:27:36
